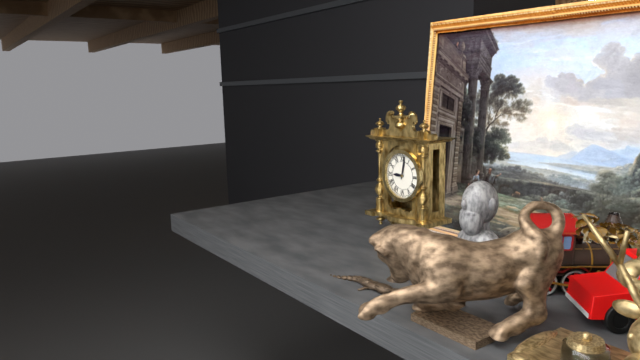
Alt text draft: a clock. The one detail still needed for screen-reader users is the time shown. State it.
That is 9:02
